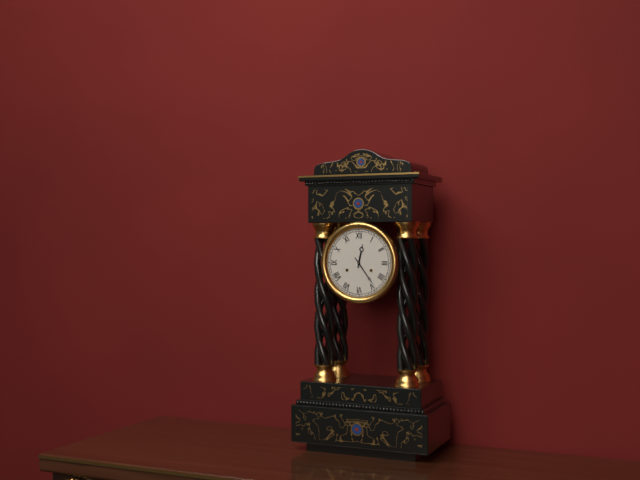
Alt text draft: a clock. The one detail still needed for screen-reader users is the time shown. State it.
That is 12:24
